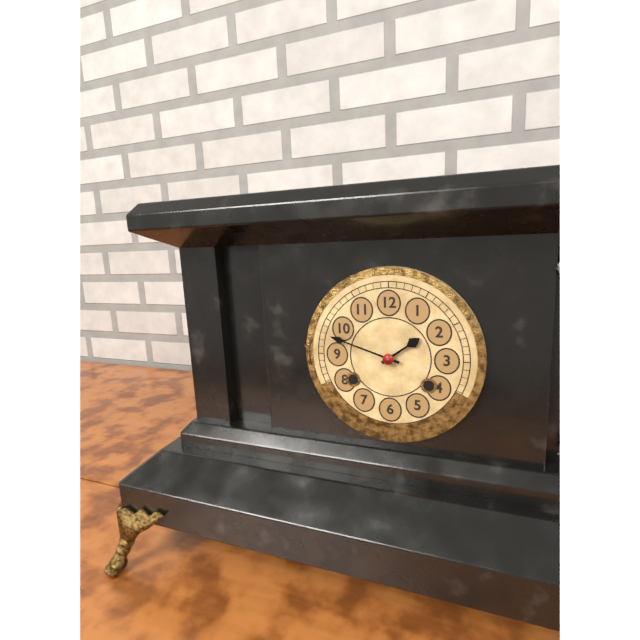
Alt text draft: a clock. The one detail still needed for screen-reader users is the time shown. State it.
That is 1:48
